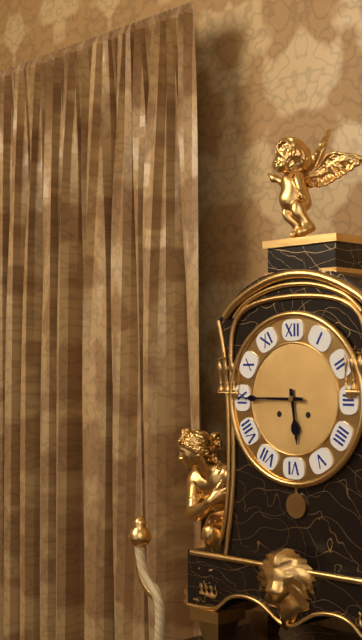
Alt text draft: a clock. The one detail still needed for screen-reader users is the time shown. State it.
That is 5:45
